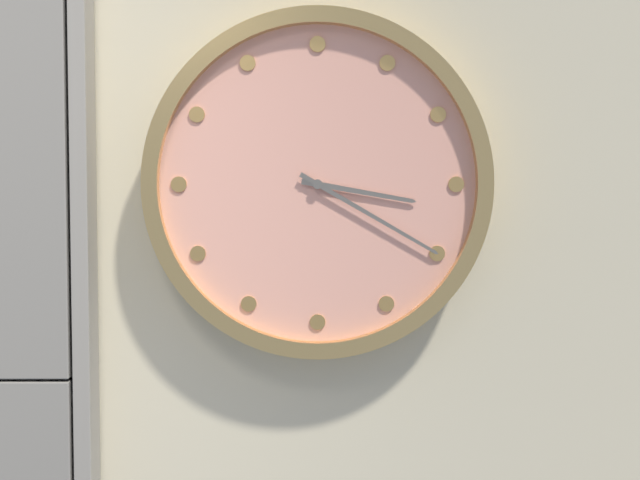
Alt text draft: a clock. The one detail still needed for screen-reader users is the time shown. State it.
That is 3:20
